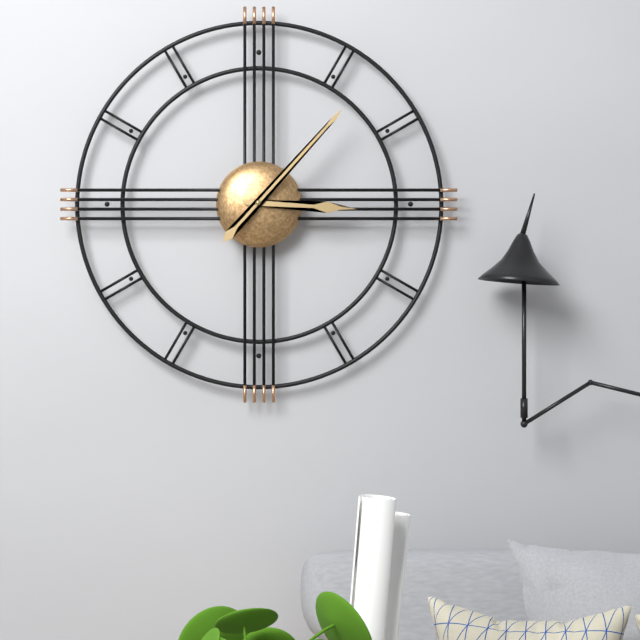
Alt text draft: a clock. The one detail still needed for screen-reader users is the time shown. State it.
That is 3:07
